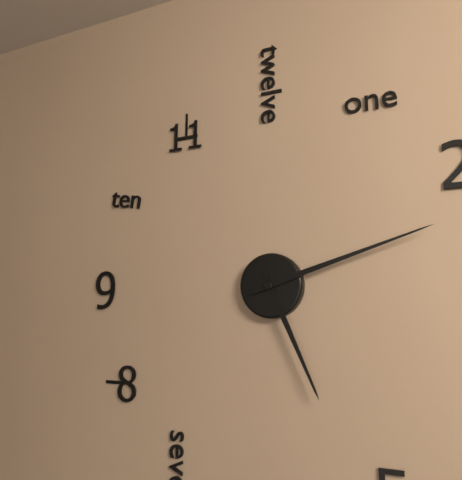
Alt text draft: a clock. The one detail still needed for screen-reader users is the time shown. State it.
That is 5:12
